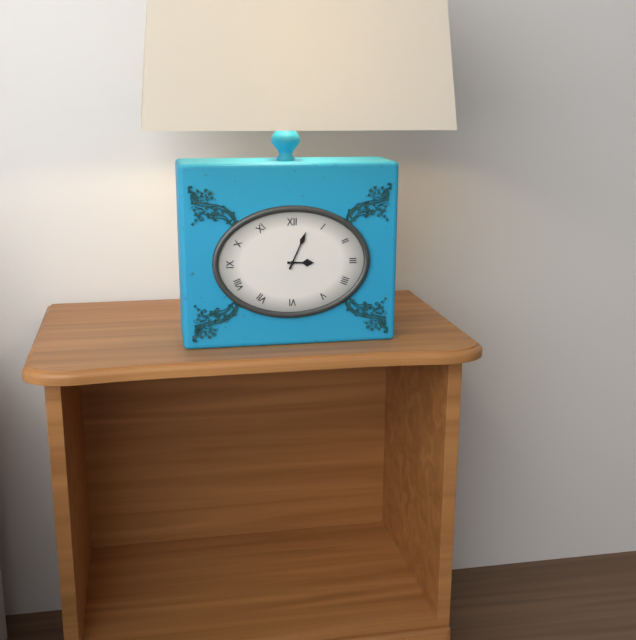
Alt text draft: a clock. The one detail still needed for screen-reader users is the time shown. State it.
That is 3:04
